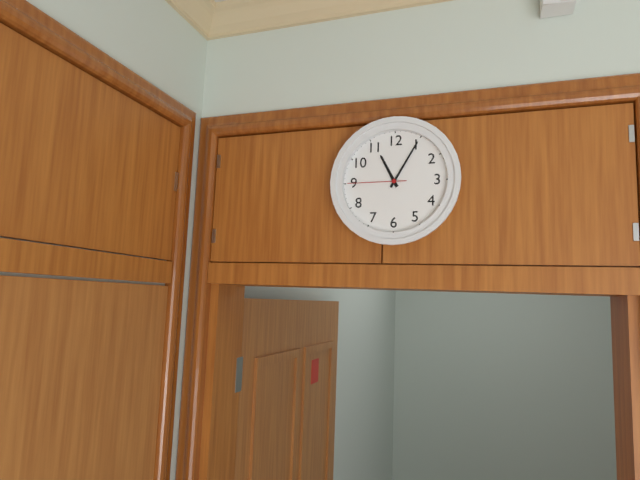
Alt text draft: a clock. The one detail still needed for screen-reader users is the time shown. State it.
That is 11:05:45
